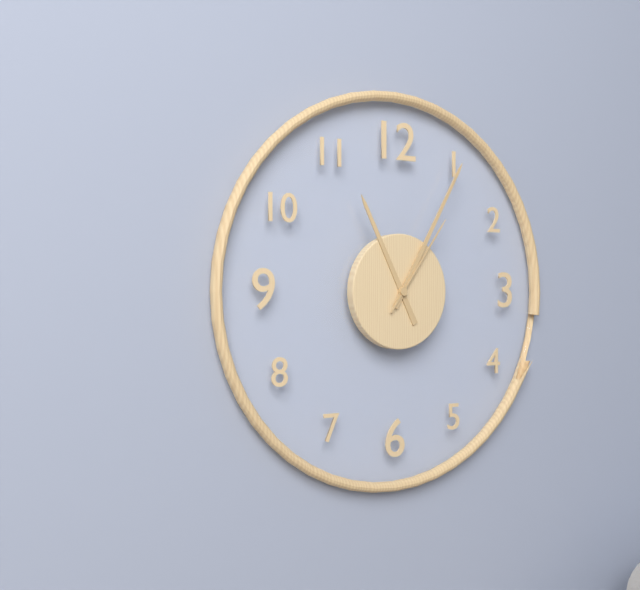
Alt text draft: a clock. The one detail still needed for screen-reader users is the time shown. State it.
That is 11:05:06
